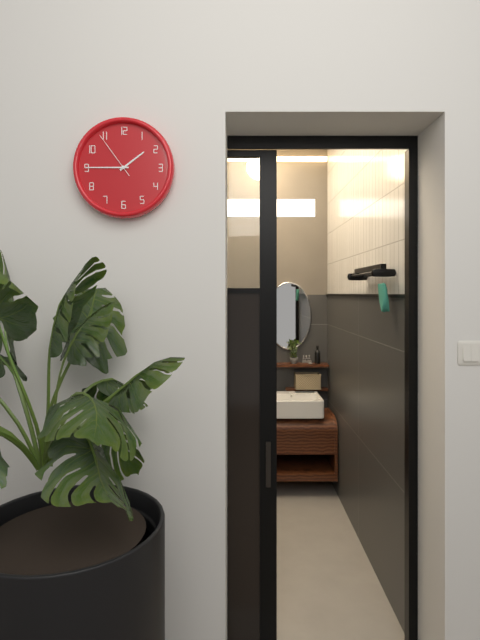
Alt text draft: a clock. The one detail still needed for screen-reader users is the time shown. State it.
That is 1:45:54
